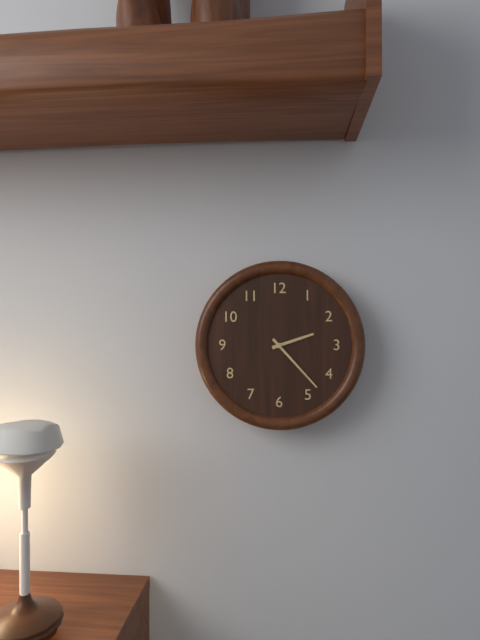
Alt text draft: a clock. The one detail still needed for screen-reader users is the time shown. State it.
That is 2:23
